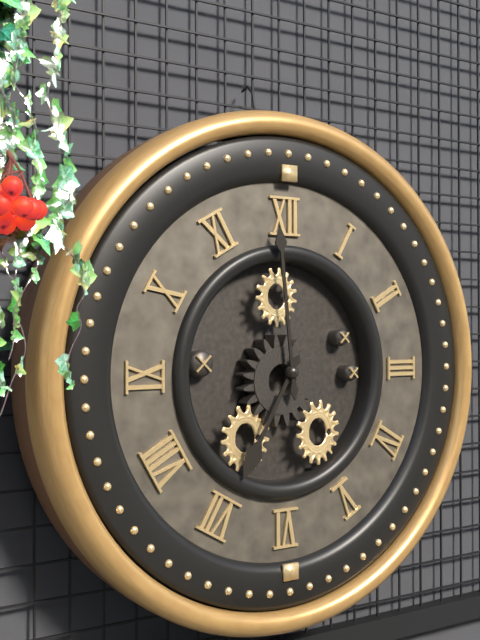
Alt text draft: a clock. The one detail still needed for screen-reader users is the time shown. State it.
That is 6:59
